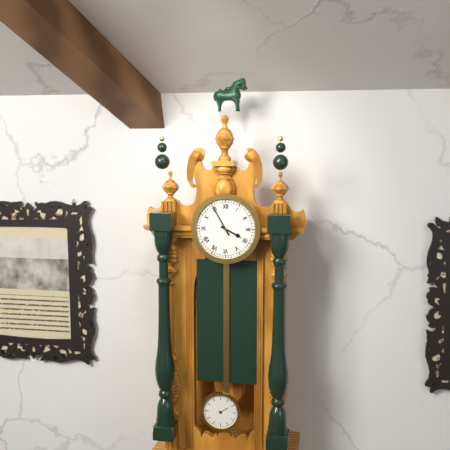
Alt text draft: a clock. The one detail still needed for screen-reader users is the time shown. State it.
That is 3:55
